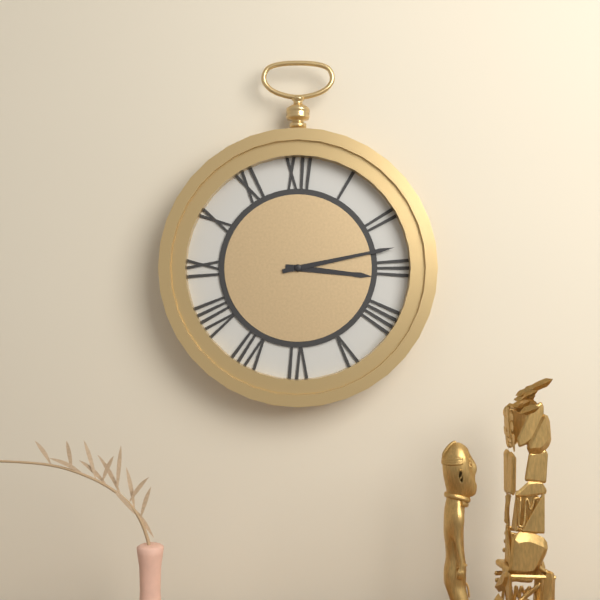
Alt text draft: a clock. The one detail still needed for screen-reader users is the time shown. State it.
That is 3:13
